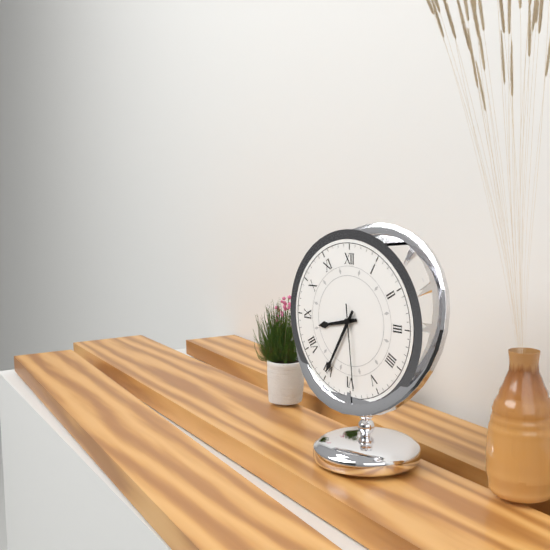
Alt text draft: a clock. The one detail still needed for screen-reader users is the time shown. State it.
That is 8:35:29
